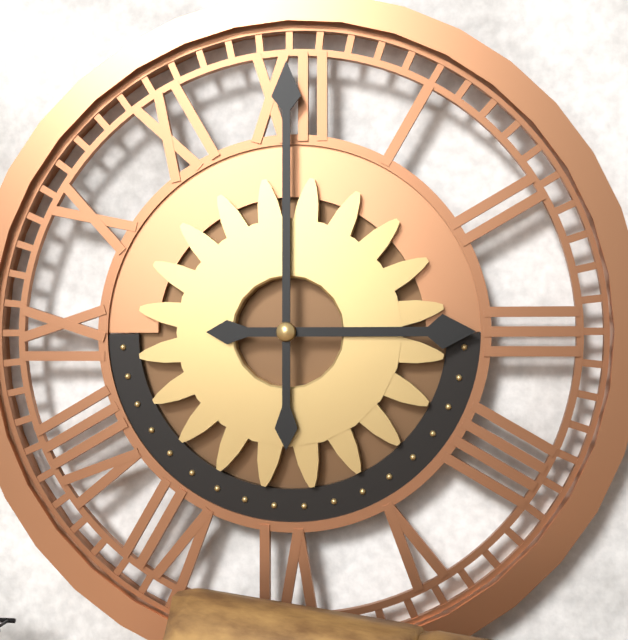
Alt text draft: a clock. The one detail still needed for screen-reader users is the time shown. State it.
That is 3:00
